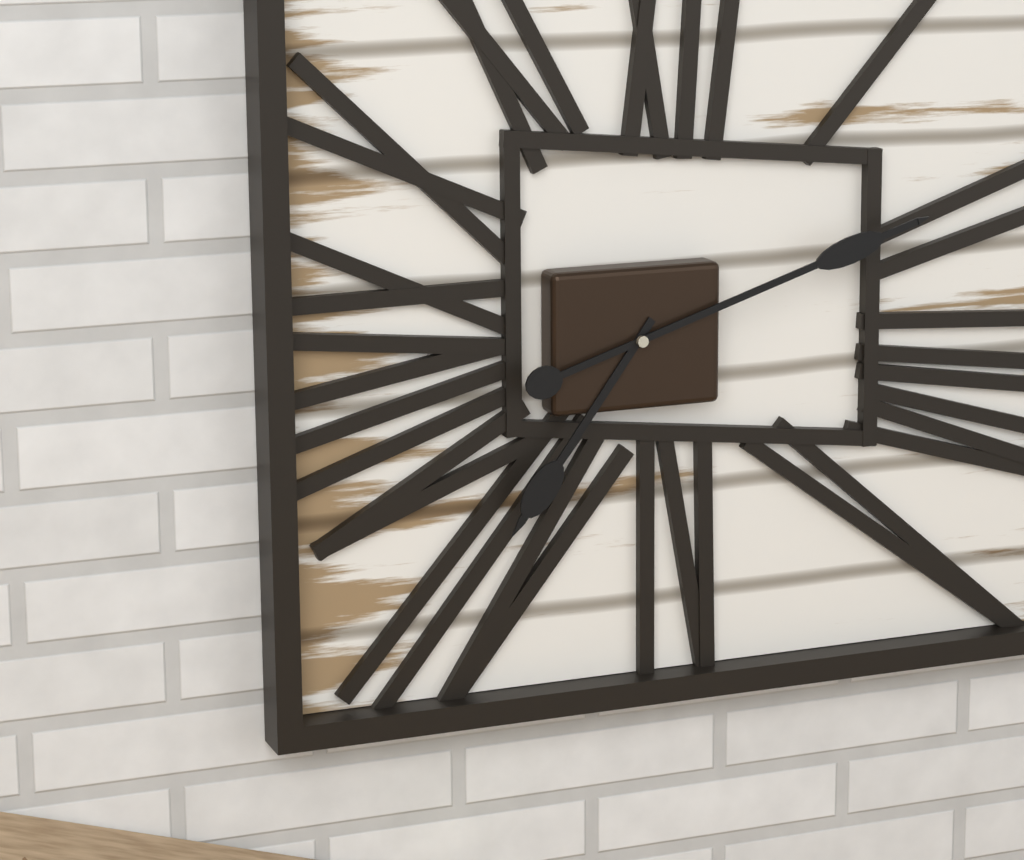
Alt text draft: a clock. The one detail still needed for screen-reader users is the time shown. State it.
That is 7:12
